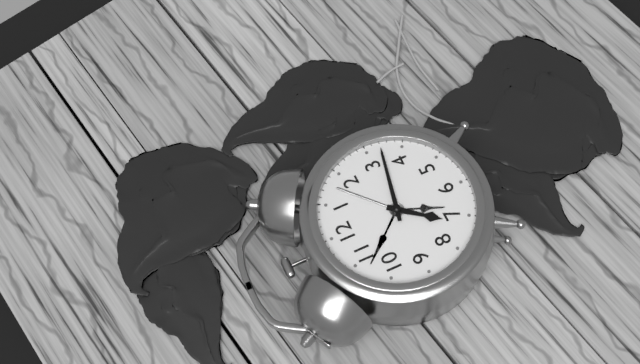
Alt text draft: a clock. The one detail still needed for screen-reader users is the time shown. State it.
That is 7:17
